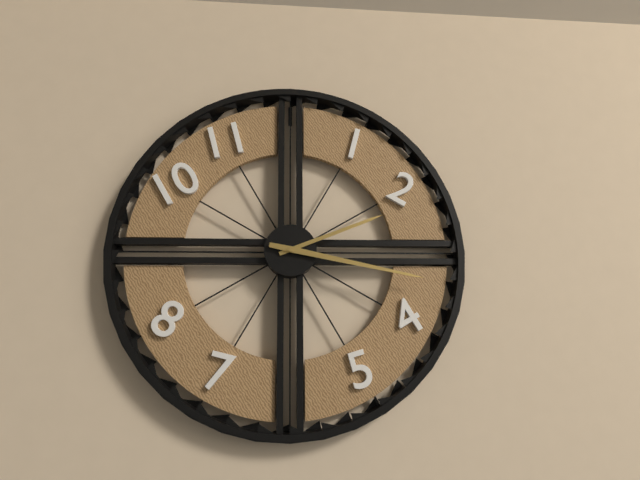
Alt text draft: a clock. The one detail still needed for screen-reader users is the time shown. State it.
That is 2:17
